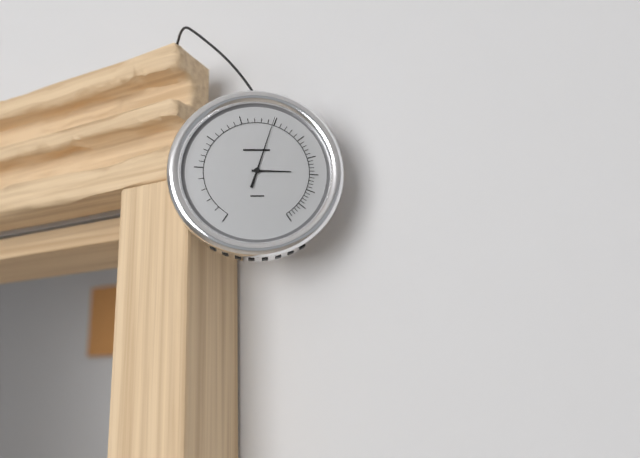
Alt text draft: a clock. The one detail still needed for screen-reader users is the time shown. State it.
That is 3:03
